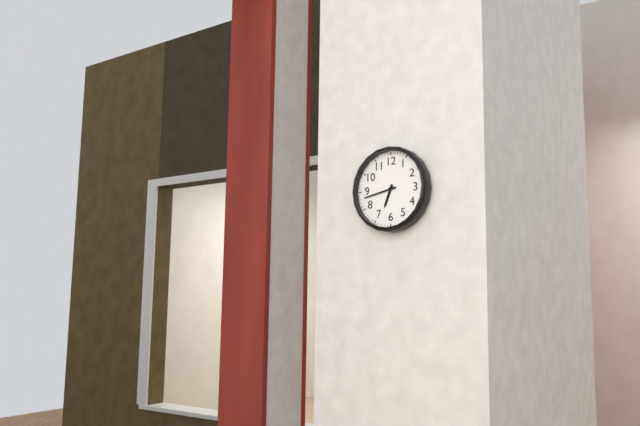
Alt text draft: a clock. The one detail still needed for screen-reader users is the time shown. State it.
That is 6:43
